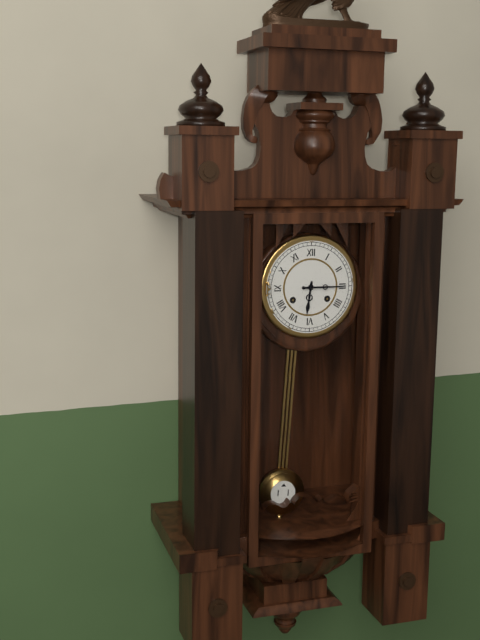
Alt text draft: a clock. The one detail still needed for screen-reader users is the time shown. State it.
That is 6:15
